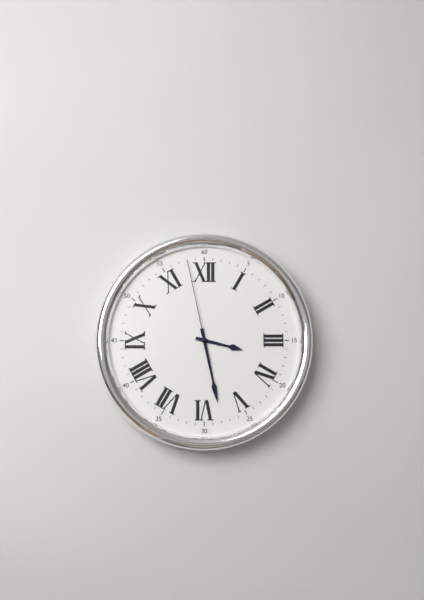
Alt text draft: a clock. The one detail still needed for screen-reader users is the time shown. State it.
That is 3:28:58
